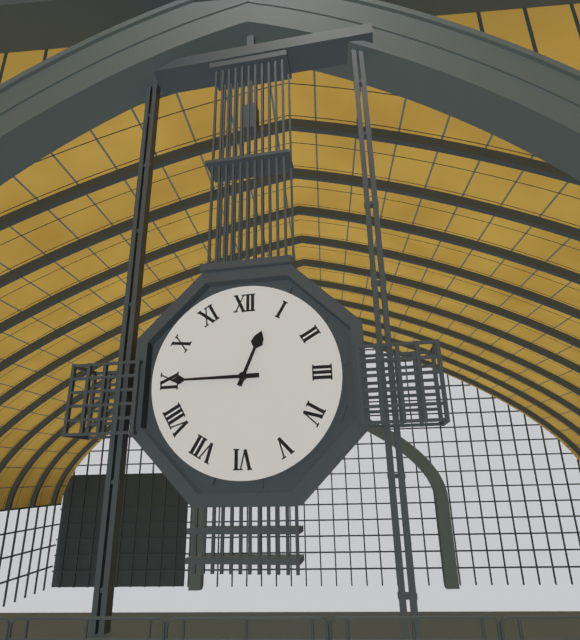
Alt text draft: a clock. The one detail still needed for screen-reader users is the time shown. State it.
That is 12:45
